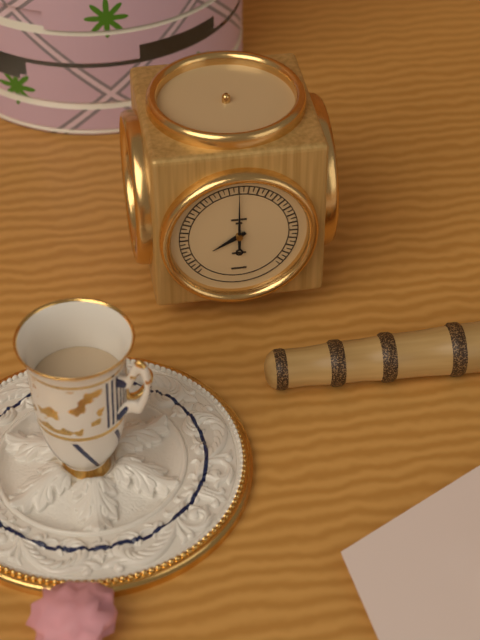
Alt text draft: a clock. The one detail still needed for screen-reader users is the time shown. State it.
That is 8:00
